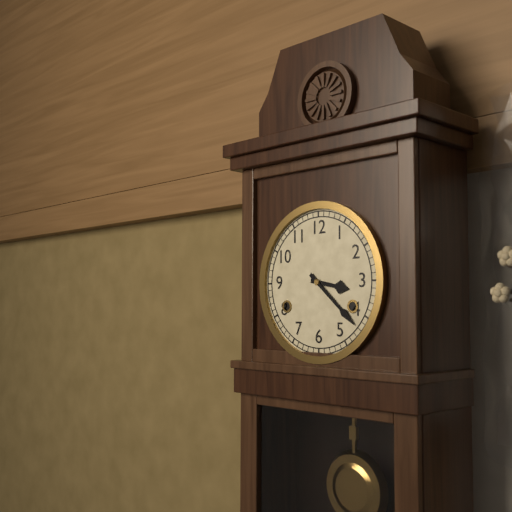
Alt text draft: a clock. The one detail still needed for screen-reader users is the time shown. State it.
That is 3:22
